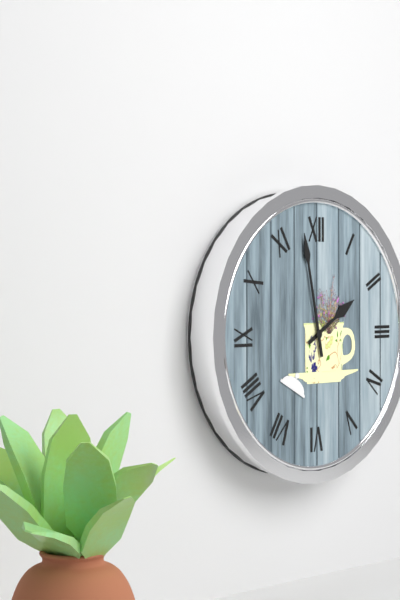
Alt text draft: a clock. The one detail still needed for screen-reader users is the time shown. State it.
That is 1:58
